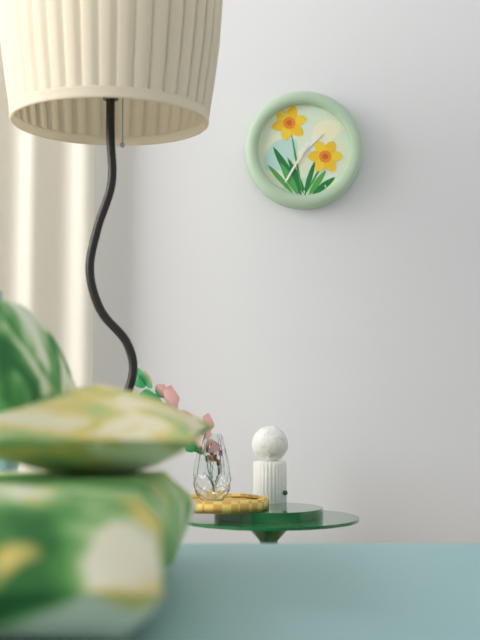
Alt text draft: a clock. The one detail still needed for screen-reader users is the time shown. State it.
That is 1:35
